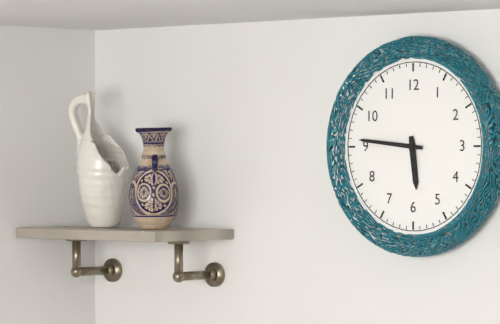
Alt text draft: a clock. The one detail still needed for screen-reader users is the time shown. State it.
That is 5:46
